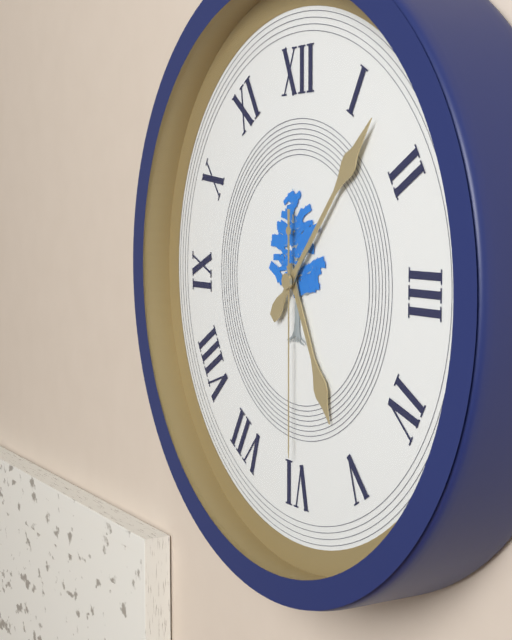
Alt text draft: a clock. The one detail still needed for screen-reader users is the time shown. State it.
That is 5:07:30
